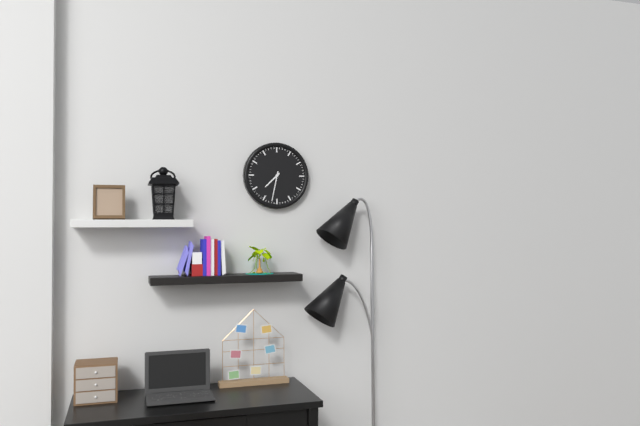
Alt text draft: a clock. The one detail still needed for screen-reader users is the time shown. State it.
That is 7:32
